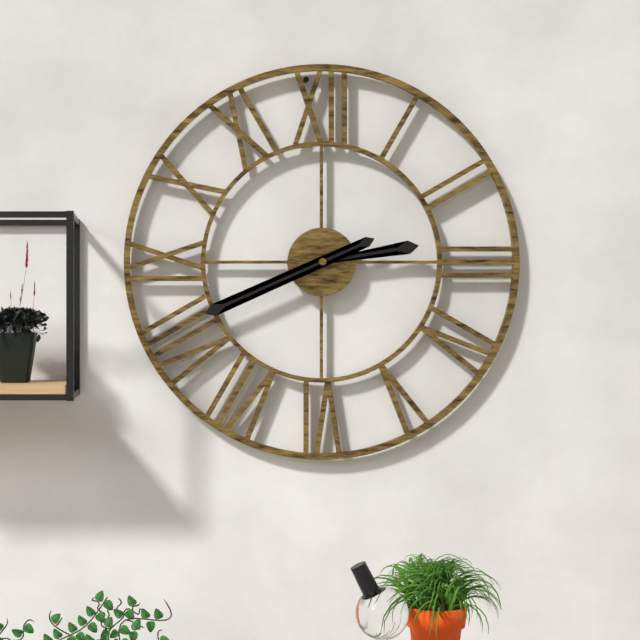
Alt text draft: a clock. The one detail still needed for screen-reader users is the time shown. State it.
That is 2:41
